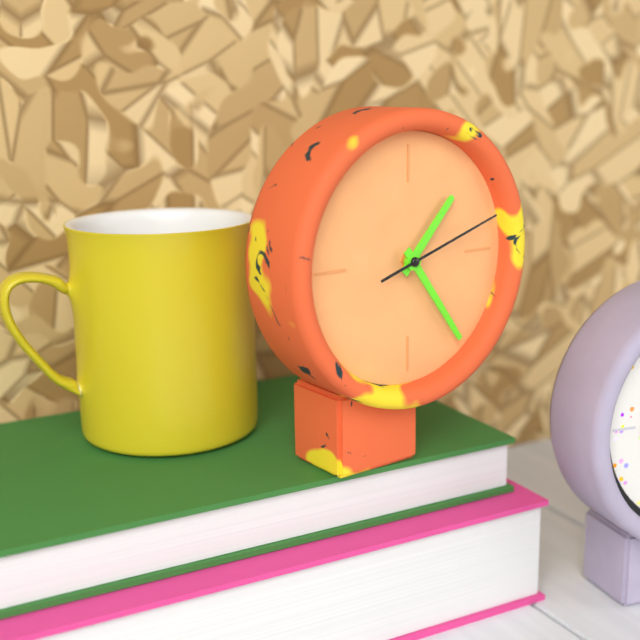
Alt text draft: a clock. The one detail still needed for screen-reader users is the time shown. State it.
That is 1:24:12
